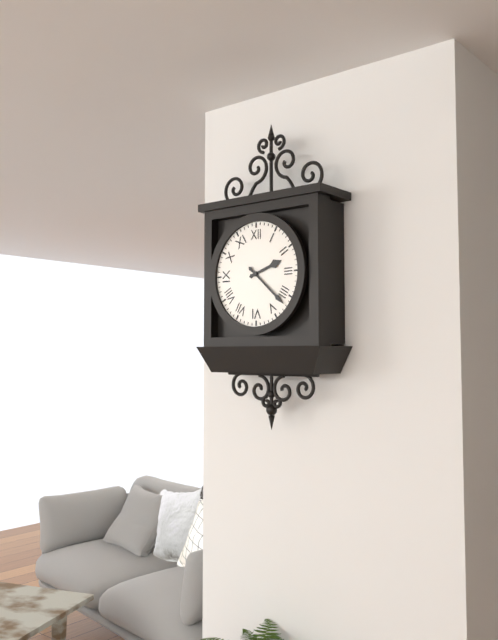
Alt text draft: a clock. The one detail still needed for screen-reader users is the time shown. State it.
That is 2:22
